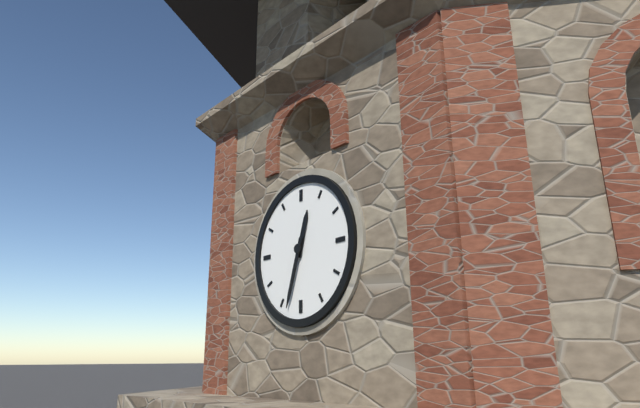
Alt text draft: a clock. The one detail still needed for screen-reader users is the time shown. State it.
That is 12:33
